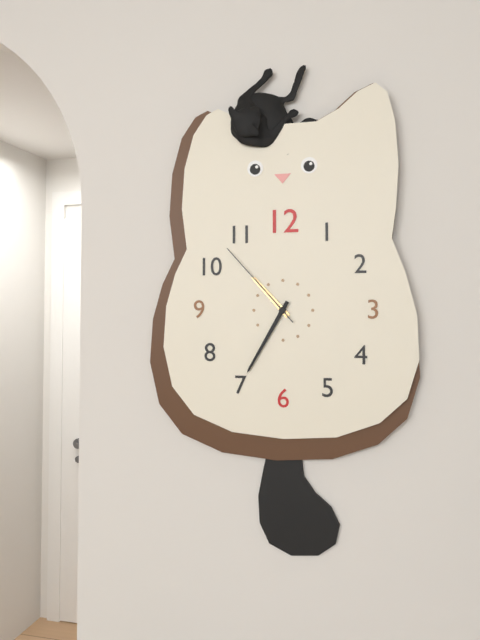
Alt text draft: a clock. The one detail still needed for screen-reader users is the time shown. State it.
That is 10:35:53
